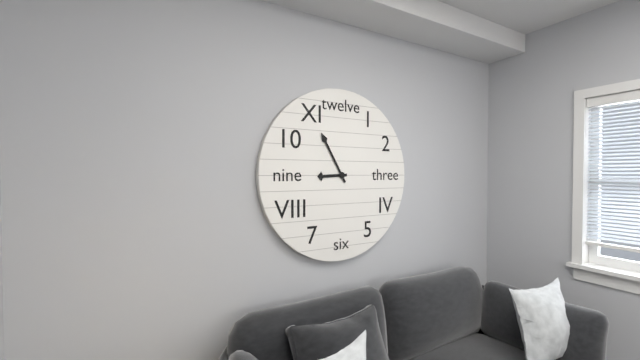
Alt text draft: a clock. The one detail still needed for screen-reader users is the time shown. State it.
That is 8:55
